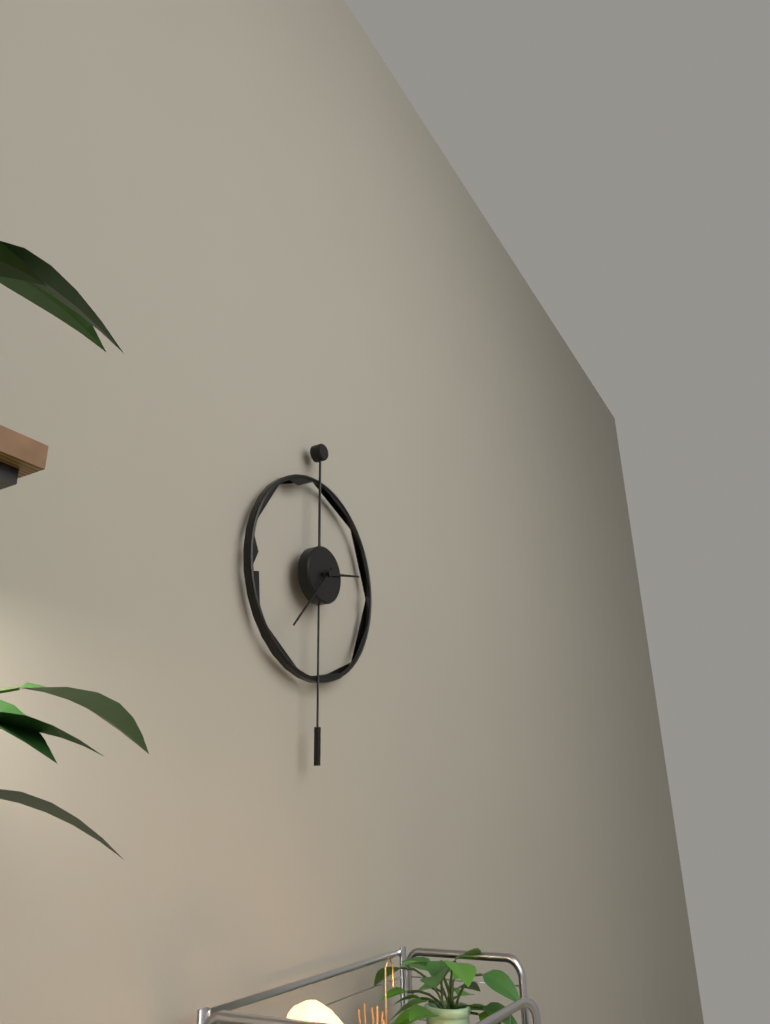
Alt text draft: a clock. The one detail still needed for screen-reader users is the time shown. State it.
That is 2:37
